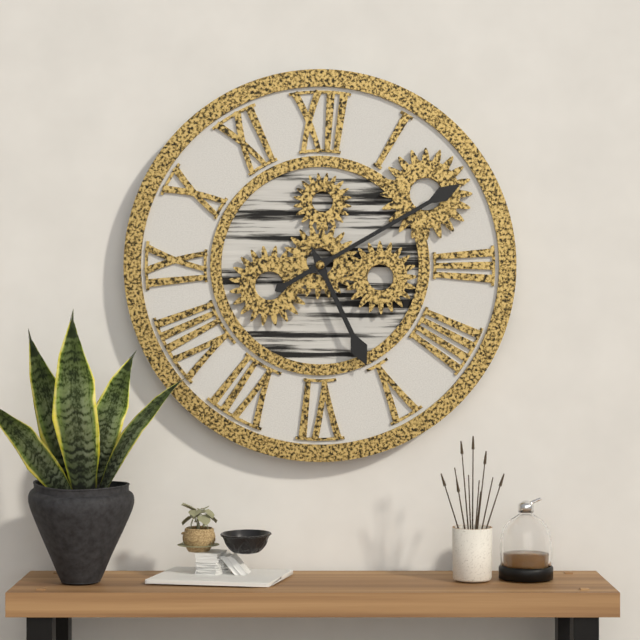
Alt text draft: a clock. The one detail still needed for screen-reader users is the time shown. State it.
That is 5:10
